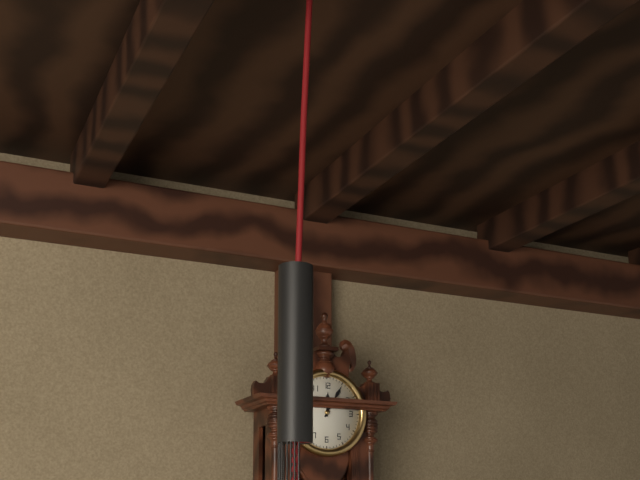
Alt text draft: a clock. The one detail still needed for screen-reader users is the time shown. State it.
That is 12:05
